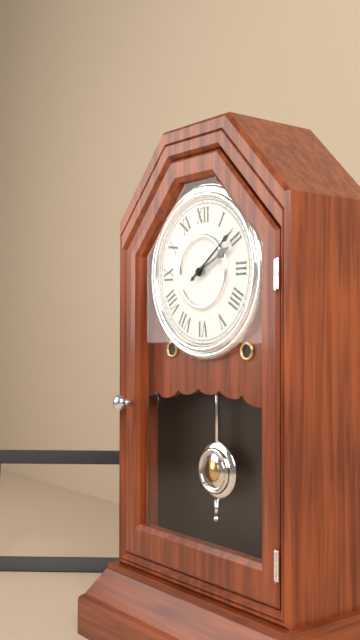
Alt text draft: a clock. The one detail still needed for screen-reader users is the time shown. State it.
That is 2:09
